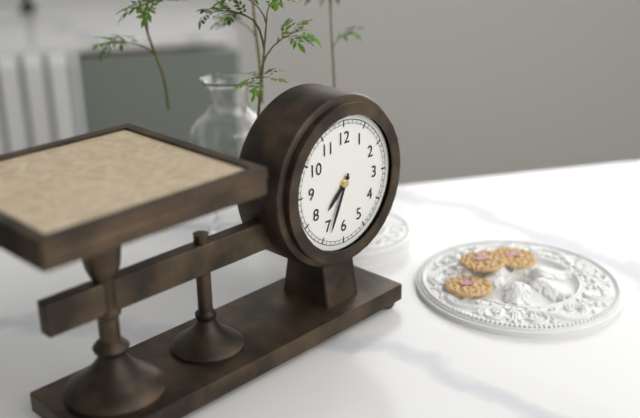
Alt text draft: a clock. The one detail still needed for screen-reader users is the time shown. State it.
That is 7:34
